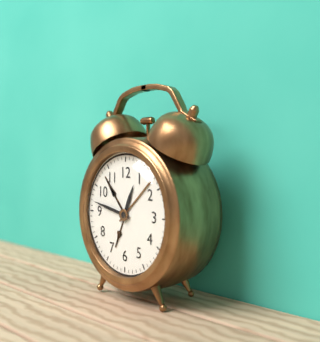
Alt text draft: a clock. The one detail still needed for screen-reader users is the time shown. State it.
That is 12:47
